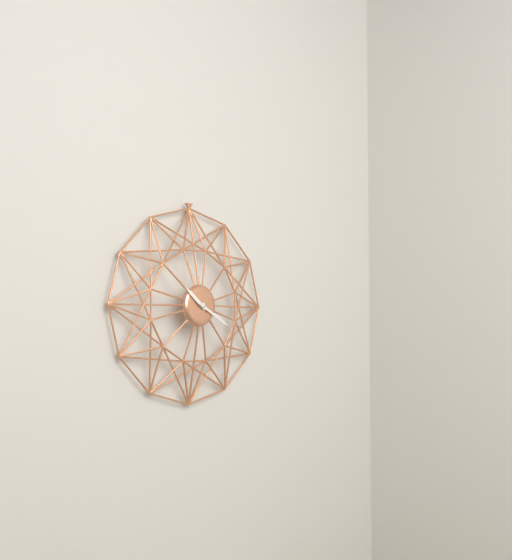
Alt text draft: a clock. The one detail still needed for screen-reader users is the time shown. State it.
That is 10:20
